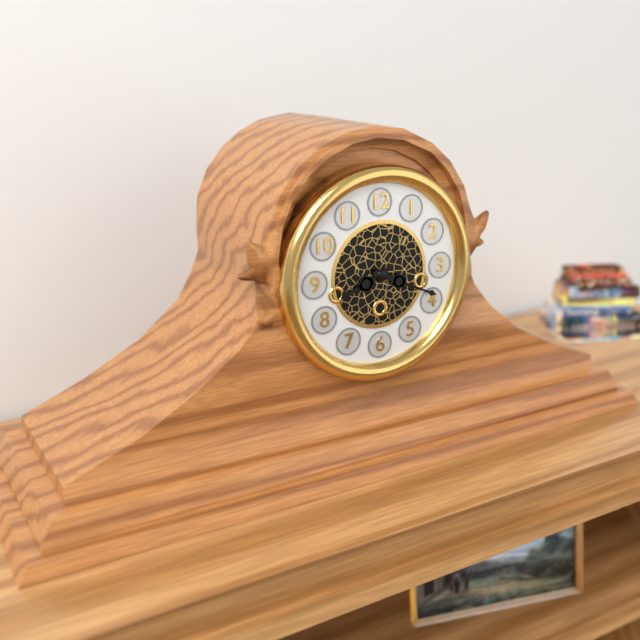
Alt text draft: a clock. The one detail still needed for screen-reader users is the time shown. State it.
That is 8:19
